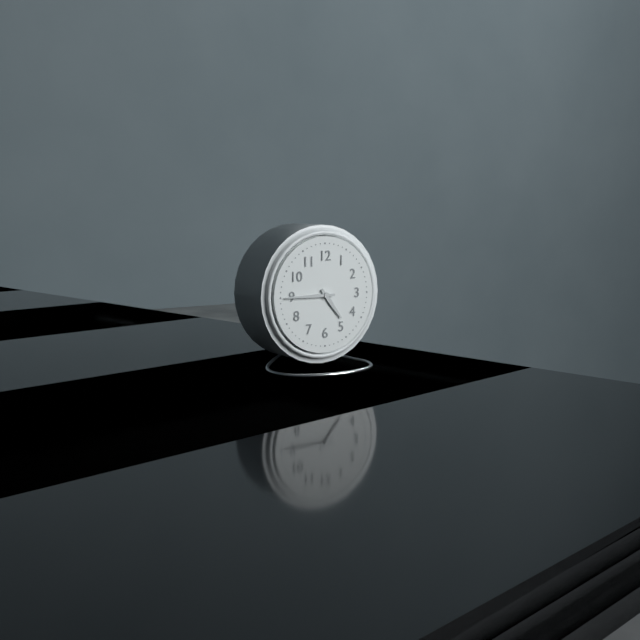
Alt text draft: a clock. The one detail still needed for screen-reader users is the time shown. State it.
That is 4:45
